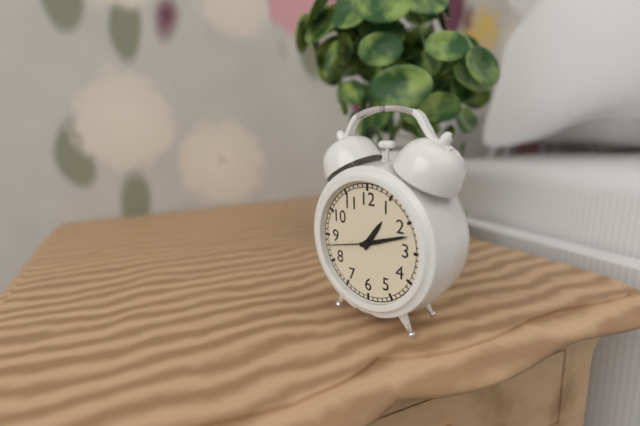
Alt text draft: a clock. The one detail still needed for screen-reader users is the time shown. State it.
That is 1:12
